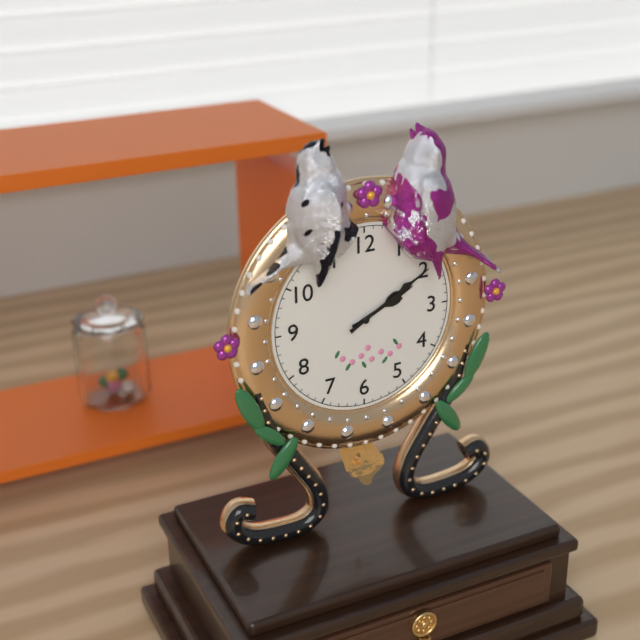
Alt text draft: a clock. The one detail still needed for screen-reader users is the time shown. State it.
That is 2:10
